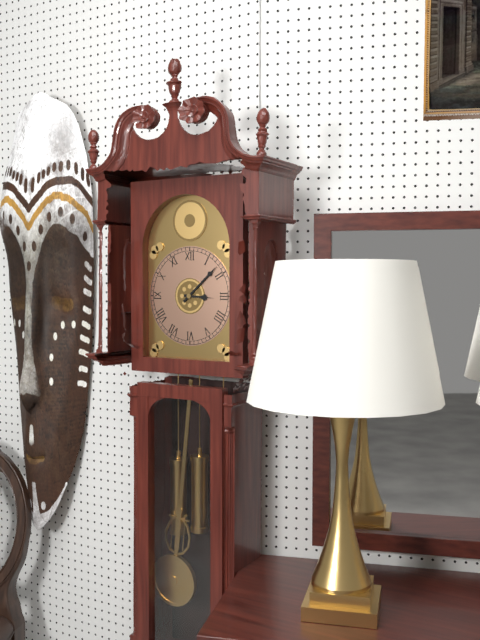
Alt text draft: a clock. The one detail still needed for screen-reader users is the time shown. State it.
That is 3:08
